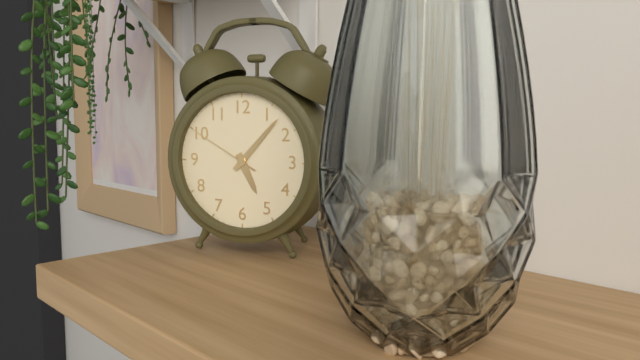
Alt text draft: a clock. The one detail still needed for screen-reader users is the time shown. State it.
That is 5:07:50
